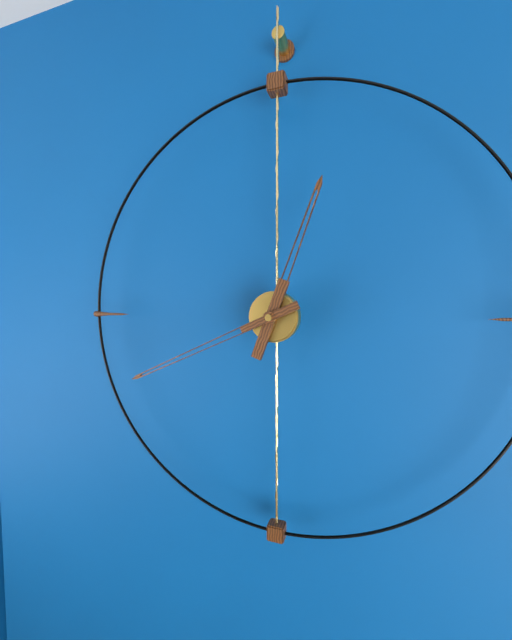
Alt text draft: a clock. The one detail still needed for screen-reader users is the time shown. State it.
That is 12:41
